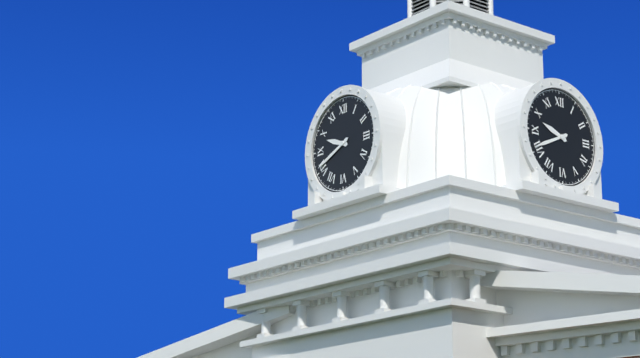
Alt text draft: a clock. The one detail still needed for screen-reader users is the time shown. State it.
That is 9:41
